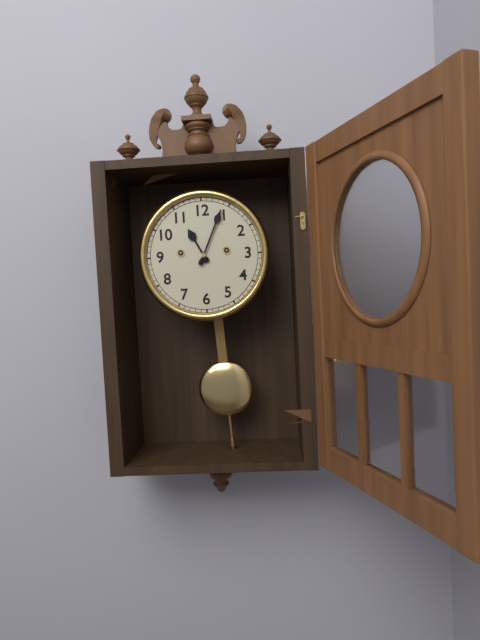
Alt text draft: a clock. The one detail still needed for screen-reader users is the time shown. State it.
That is 11:04
